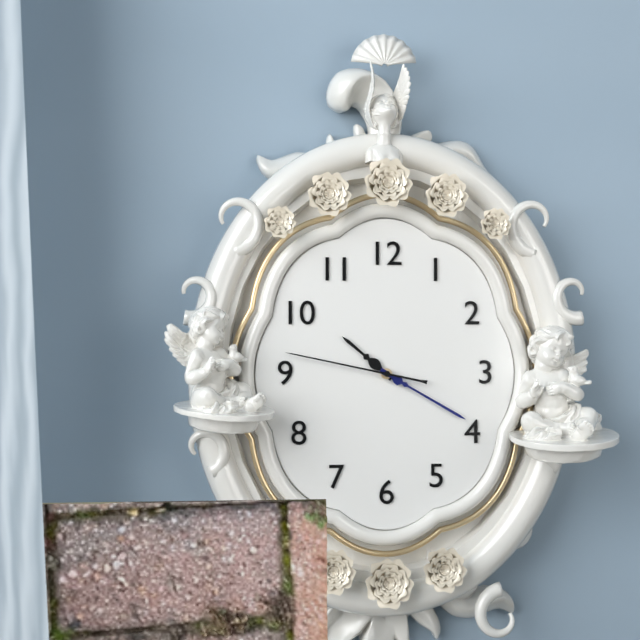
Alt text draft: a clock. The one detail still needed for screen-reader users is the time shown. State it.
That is 10:20:47
